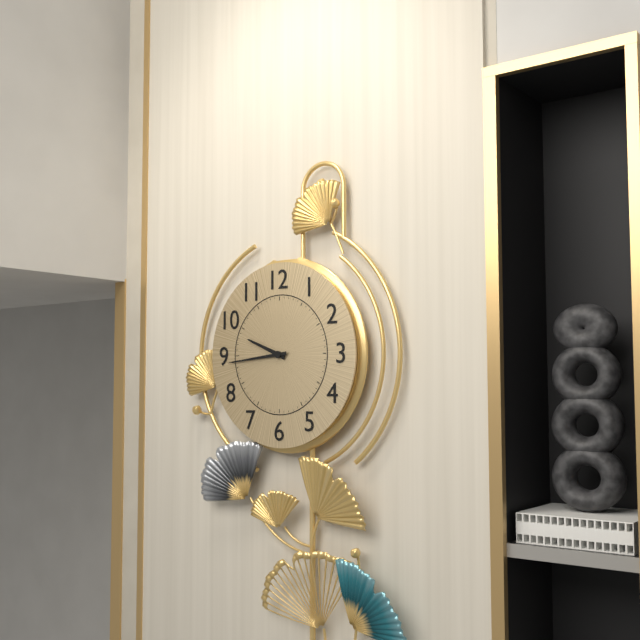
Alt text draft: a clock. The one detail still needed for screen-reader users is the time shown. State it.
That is 9:44
